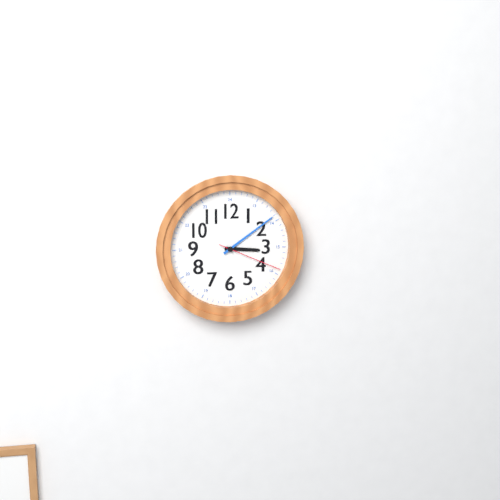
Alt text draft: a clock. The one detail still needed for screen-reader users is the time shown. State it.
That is 3:09:19
